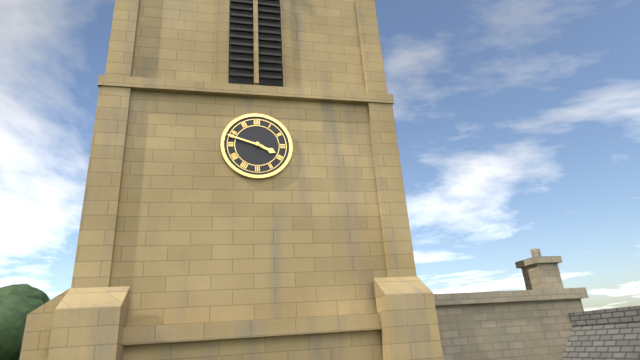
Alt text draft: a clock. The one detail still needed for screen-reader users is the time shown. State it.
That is 3:48
